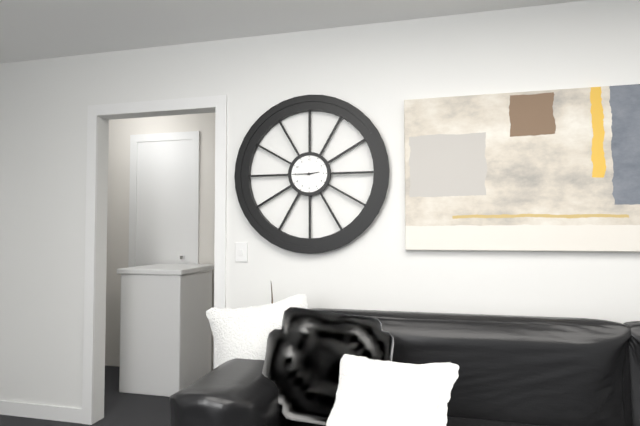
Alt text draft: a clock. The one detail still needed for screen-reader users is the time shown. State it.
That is 2:45
